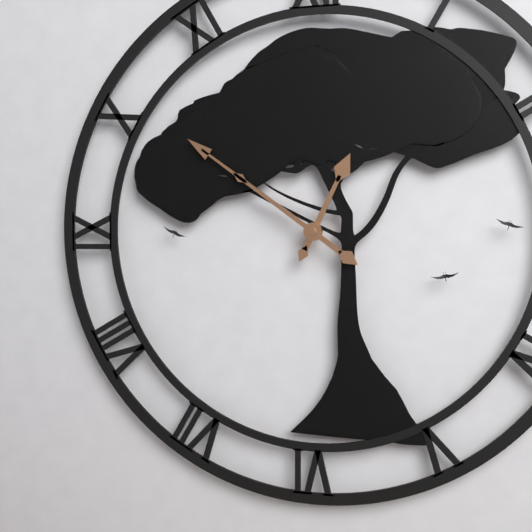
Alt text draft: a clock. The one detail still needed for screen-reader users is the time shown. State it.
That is 12:51
